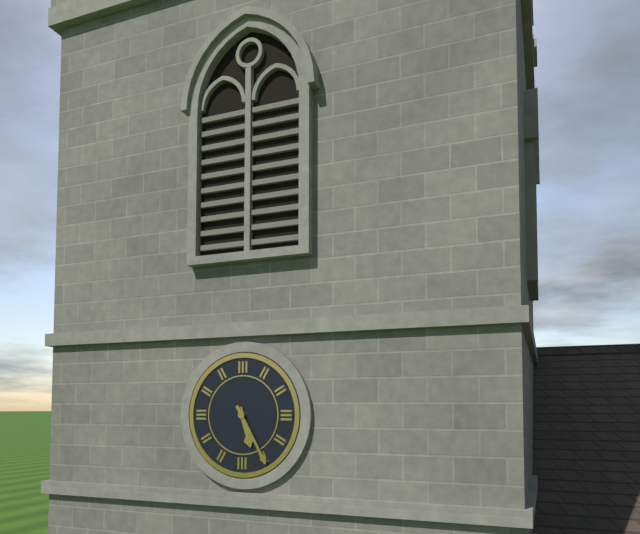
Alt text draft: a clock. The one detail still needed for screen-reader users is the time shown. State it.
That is 5:25
